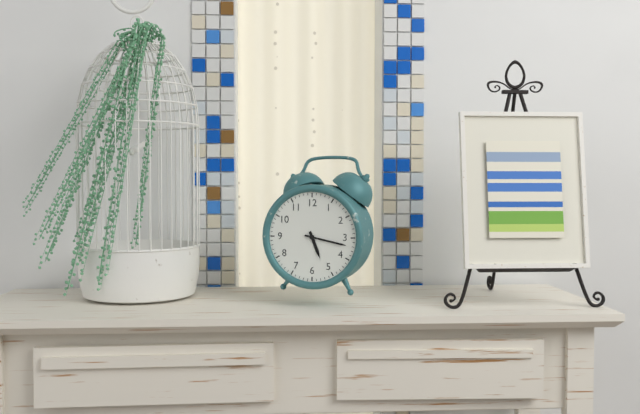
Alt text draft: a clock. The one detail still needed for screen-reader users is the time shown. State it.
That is 5:17
